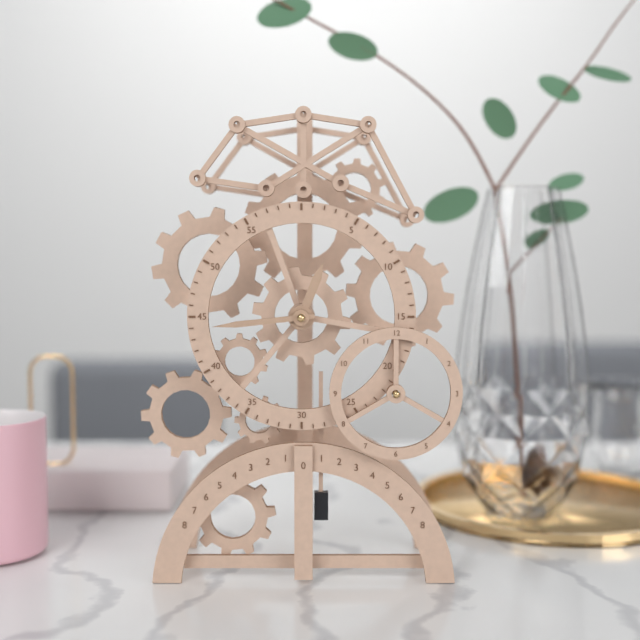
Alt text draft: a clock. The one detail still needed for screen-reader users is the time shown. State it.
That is 12:44
